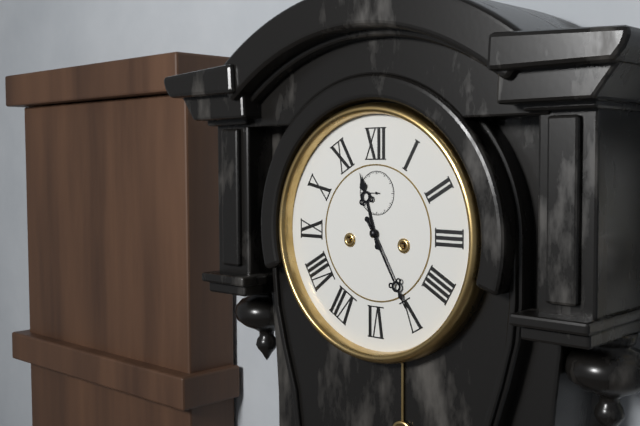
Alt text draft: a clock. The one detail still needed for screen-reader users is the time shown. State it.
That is 11:25
